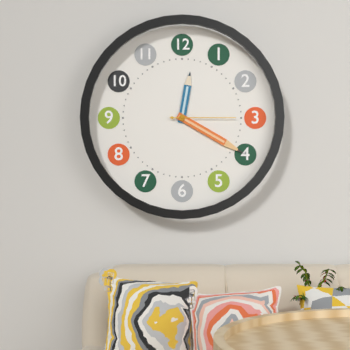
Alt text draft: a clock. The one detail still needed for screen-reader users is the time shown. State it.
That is 12:20:15
